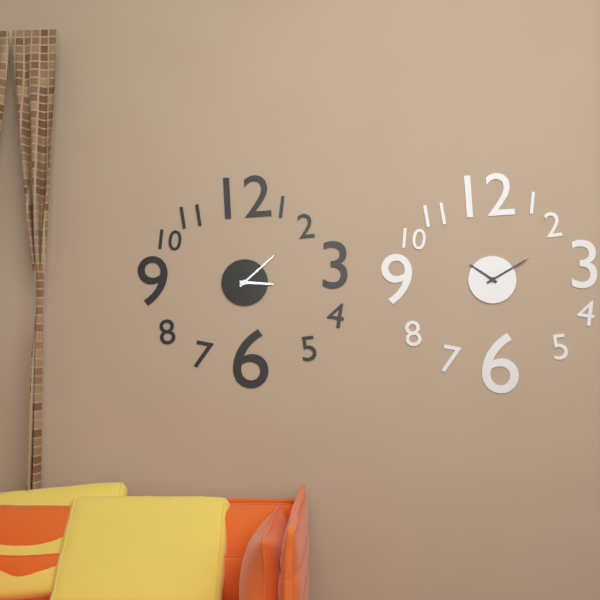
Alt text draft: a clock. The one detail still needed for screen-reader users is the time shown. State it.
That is 3:08
